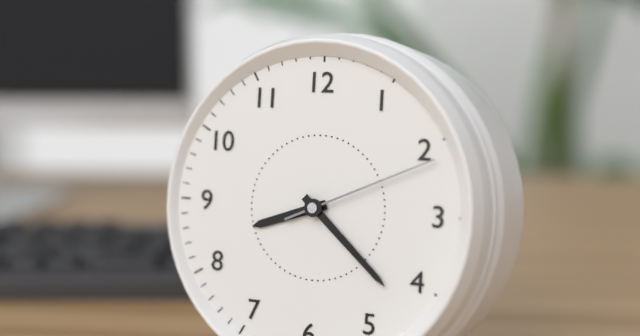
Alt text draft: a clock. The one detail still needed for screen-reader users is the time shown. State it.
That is 8:22:11
